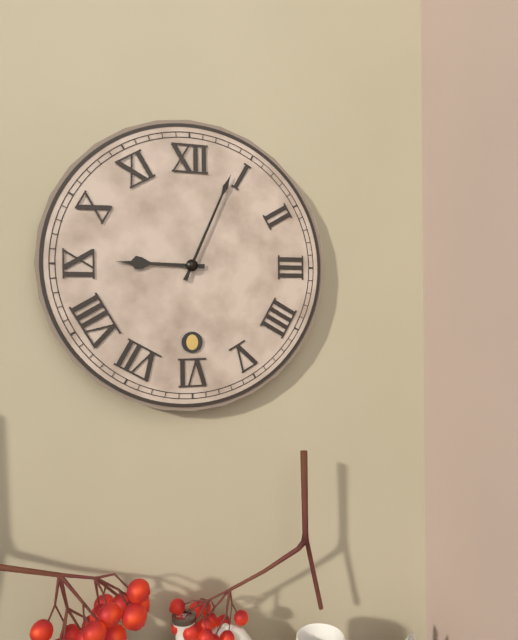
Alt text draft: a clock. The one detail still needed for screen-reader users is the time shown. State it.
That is 9:04
